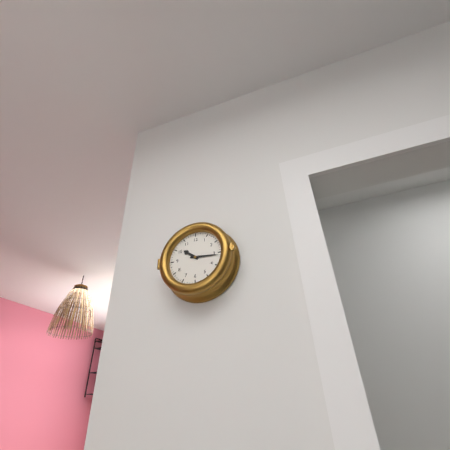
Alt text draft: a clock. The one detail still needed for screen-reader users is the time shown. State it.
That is 10:16
